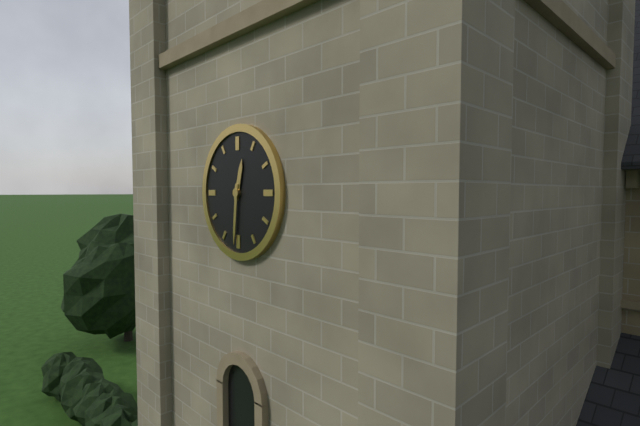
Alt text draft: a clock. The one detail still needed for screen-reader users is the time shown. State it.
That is 12:31
